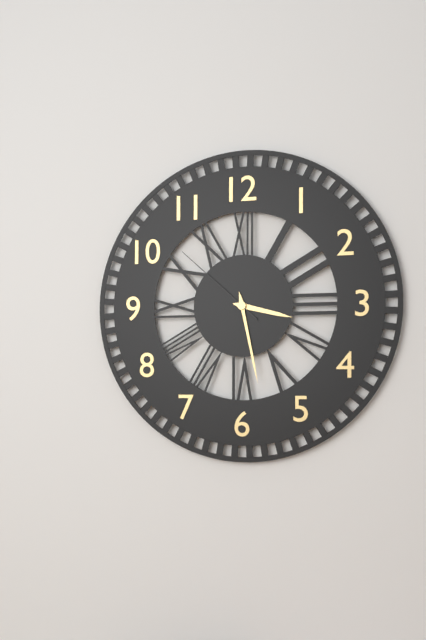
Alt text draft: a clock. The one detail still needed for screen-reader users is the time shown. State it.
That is 3:28:52
